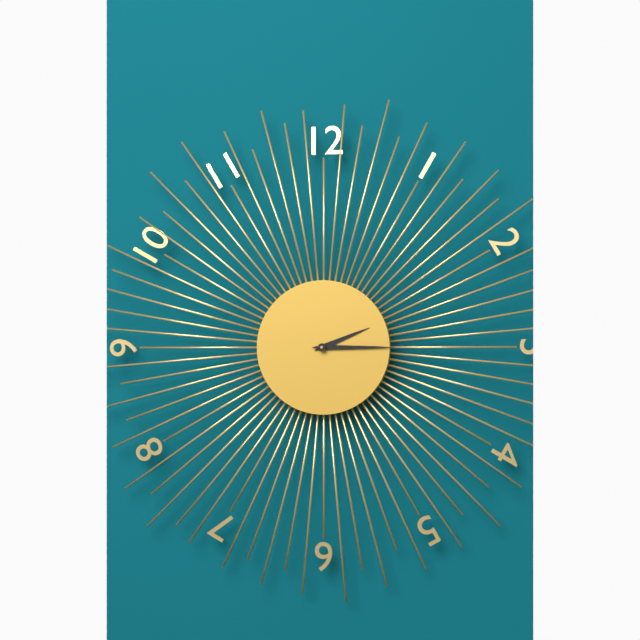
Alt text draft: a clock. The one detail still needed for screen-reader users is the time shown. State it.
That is 2:15
